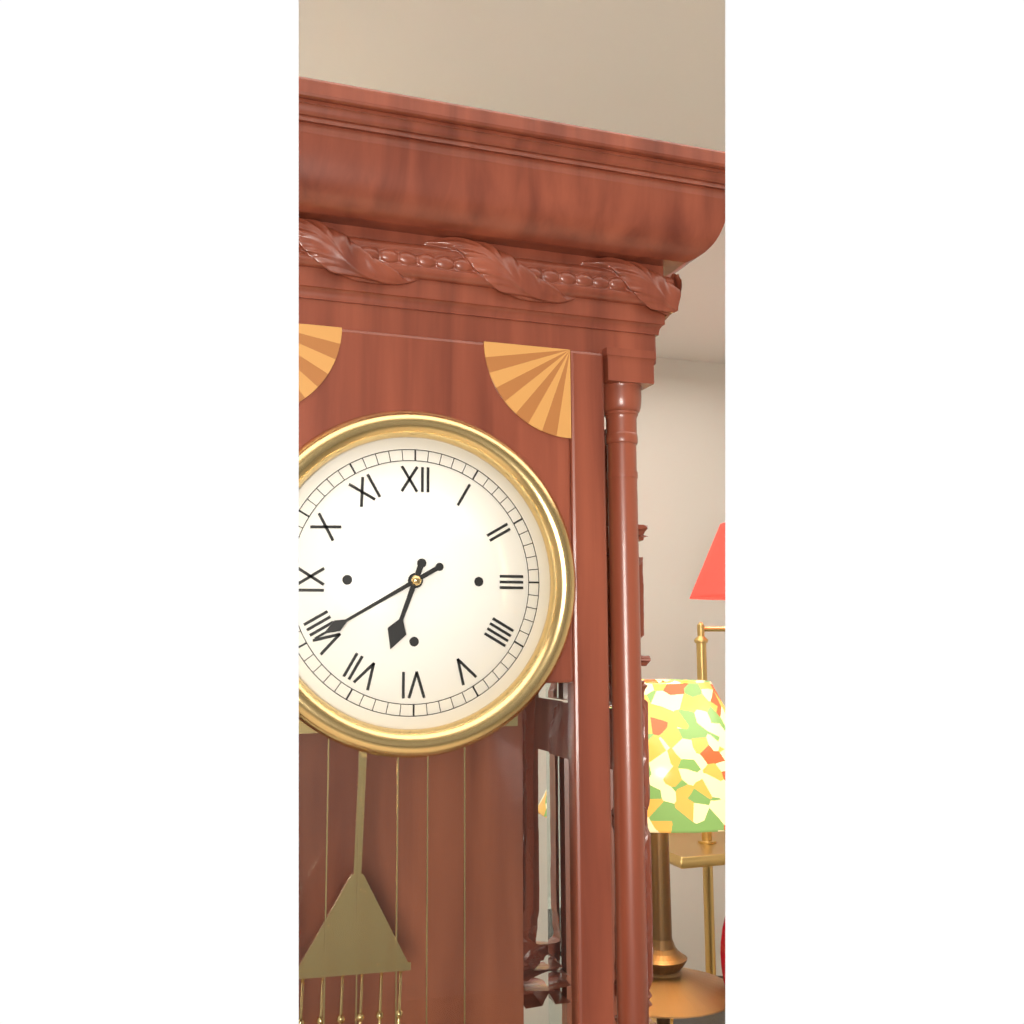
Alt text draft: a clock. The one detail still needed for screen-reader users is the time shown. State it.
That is 6:40
